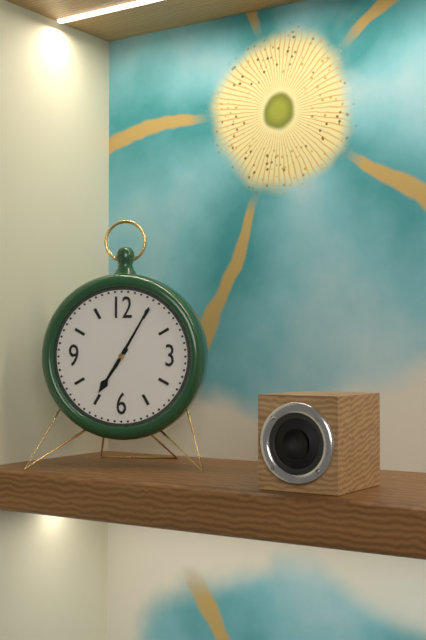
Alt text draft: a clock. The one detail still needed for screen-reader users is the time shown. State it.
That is 7:05
